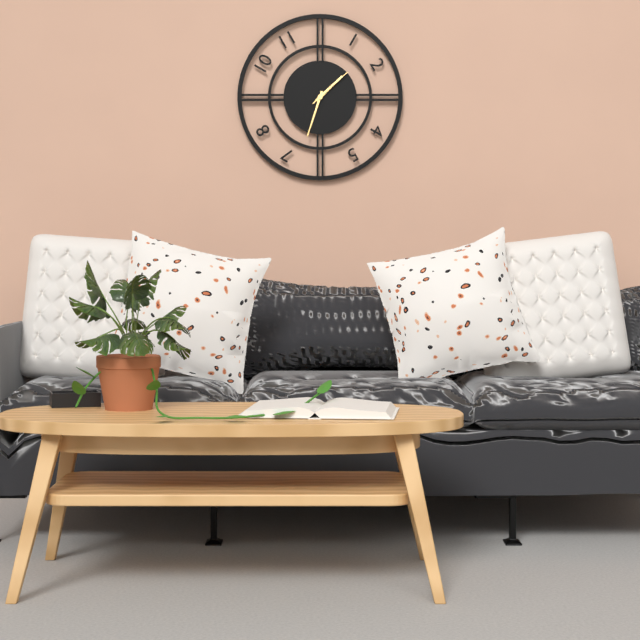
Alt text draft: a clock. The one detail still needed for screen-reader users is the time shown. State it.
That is 1:33
